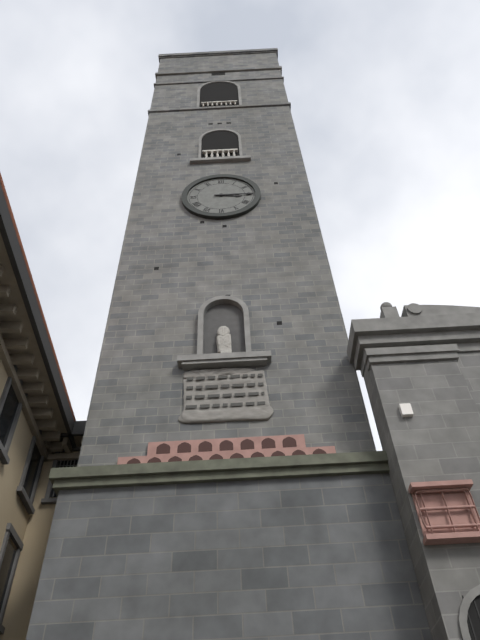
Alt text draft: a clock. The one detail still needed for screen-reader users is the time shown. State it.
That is 3:15
